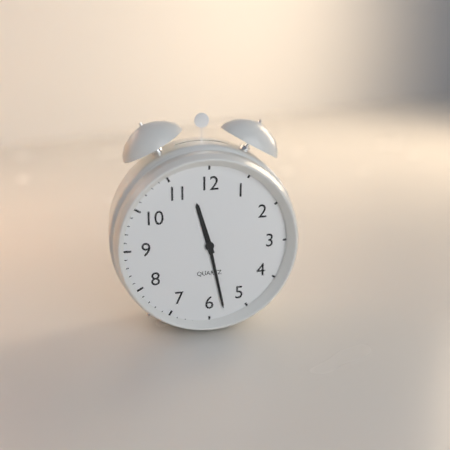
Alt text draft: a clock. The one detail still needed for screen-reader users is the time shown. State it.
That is 11:28
